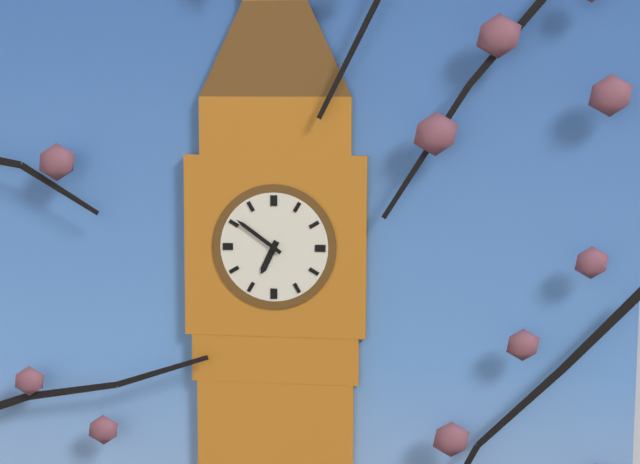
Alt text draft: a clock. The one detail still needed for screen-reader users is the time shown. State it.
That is 6:51
